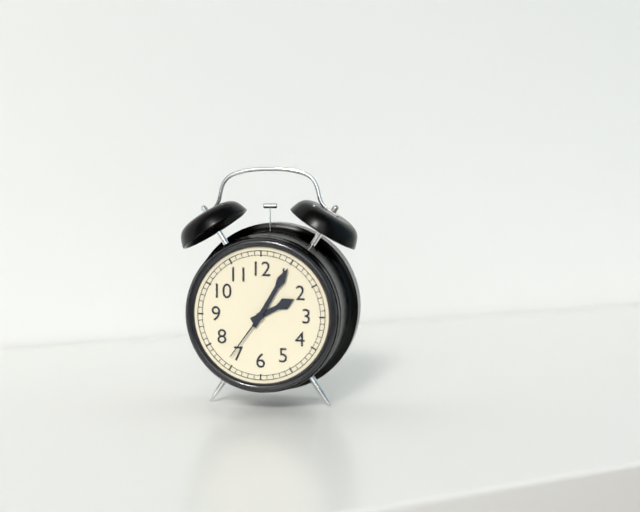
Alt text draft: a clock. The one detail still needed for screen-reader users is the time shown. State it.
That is 2:05:36
